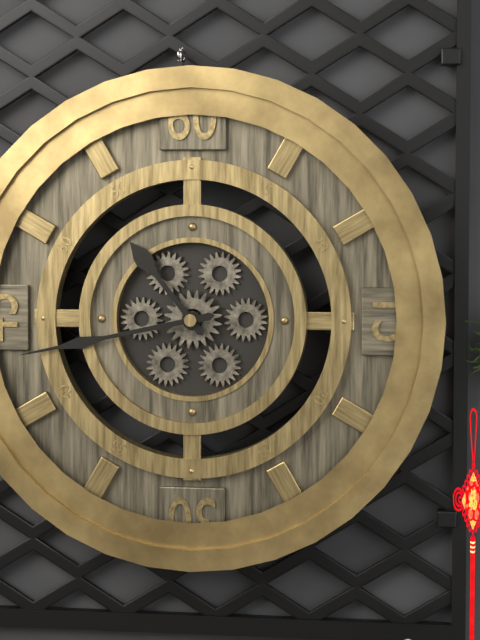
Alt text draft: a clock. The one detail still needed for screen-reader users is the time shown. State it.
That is 10:43
